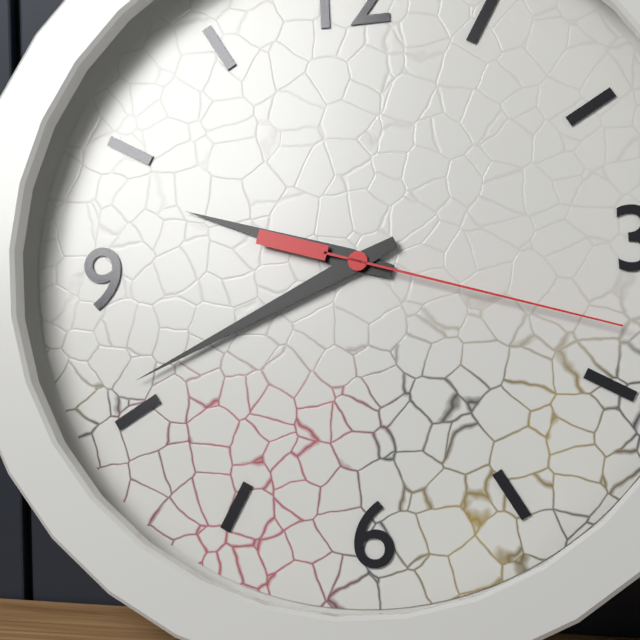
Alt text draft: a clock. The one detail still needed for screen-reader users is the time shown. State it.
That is 9:41:18
